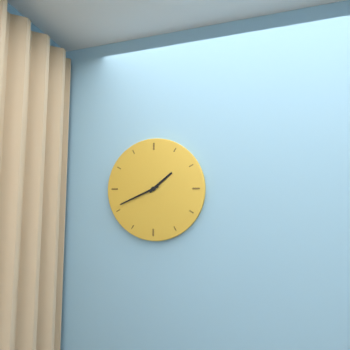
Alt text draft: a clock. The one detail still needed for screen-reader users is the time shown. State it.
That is 1:41
